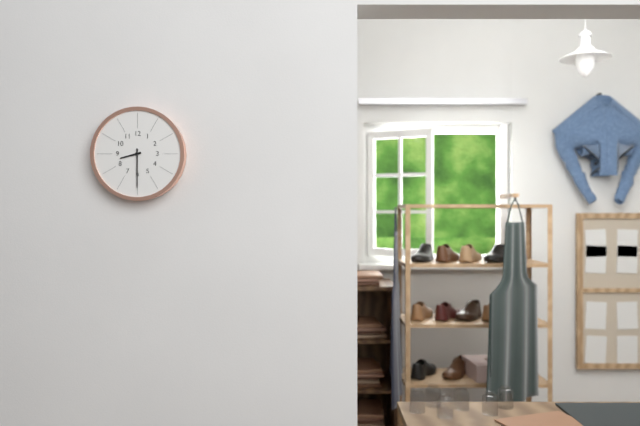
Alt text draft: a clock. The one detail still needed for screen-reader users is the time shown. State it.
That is 8:30
